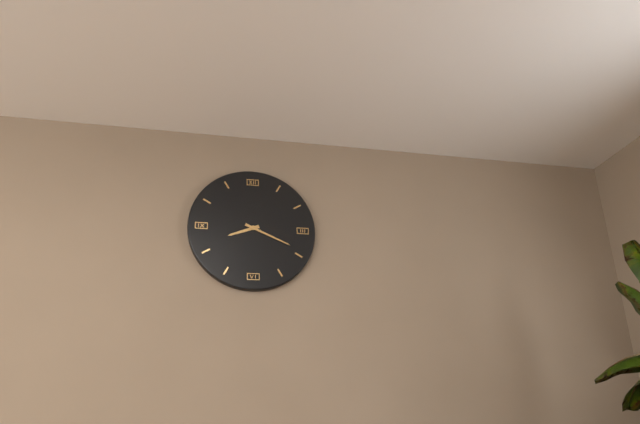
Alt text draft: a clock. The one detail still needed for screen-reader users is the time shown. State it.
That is 8:19
